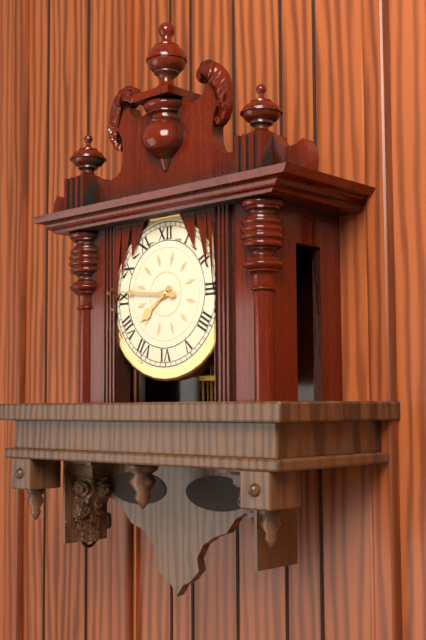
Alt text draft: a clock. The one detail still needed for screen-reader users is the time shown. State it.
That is 7:46
